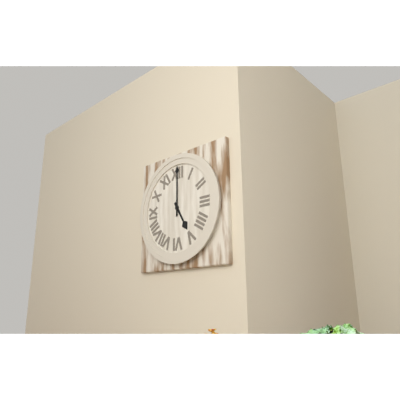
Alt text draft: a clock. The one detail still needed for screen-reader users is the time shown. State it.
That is 5:00
